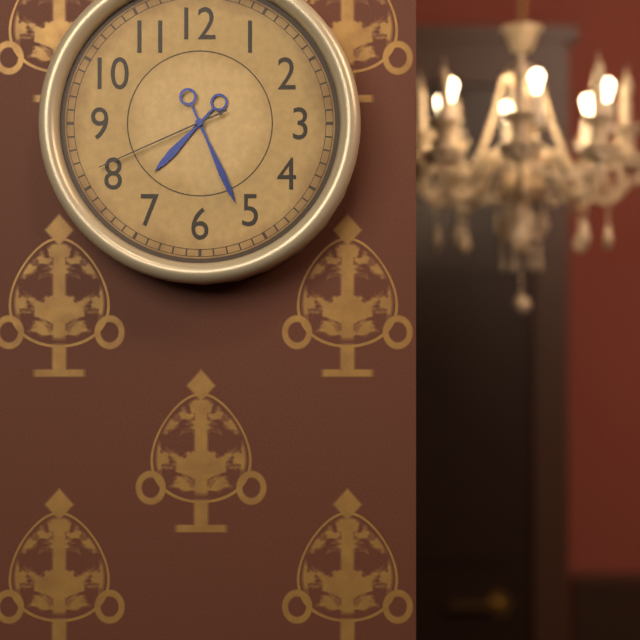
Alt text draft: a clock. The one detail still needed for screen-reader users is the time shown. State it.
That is 7:26:41
